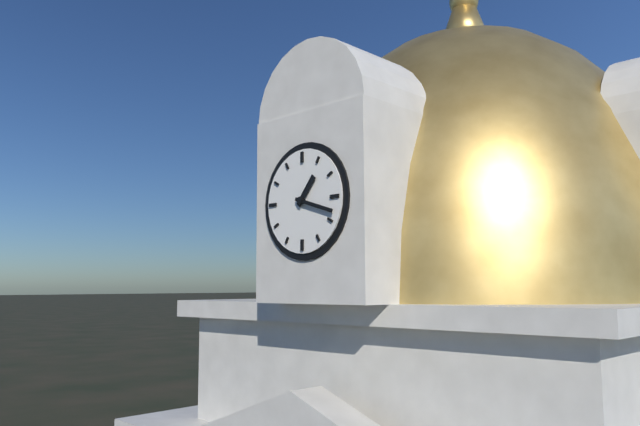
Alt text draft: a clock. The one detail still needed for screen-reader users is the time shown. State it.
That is 1:18
